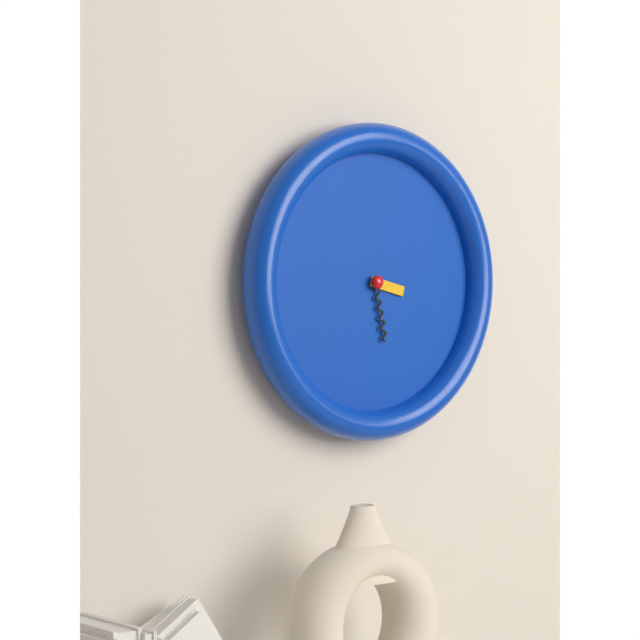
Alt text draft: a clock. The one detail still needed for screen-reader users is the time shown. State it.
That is 3:28
